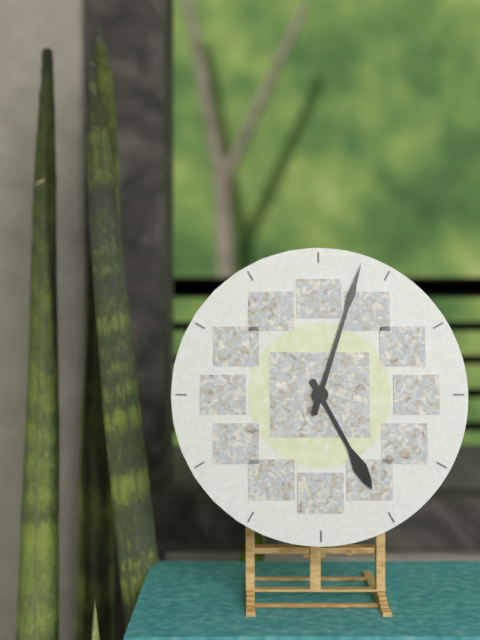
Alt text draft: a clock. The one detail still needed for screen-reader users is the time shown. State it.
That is 5:03
